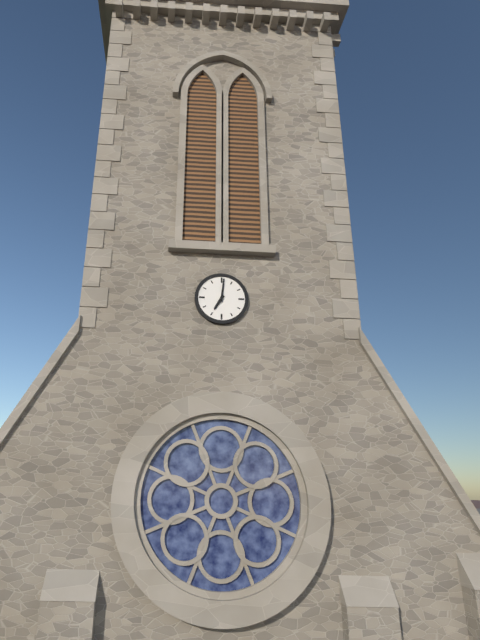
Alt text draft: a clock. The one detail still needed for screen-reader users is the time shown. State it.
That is 7:01
